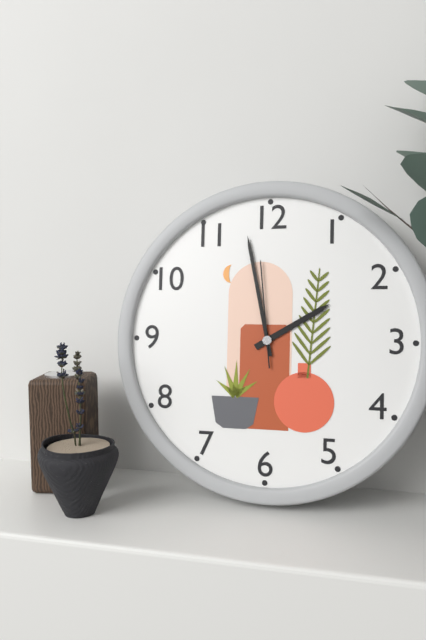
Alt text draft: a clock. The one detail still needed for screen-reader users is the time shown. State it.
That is 1:58:59
